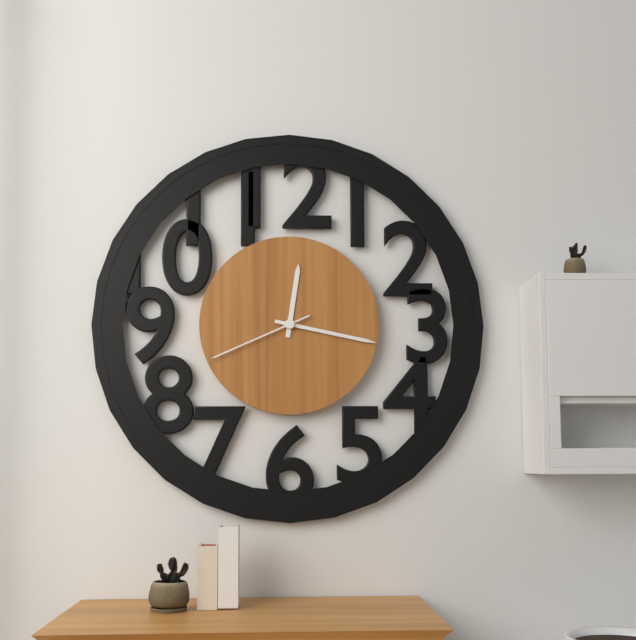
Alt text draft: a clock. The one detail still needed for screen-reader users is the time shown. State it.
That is 12:17:41
